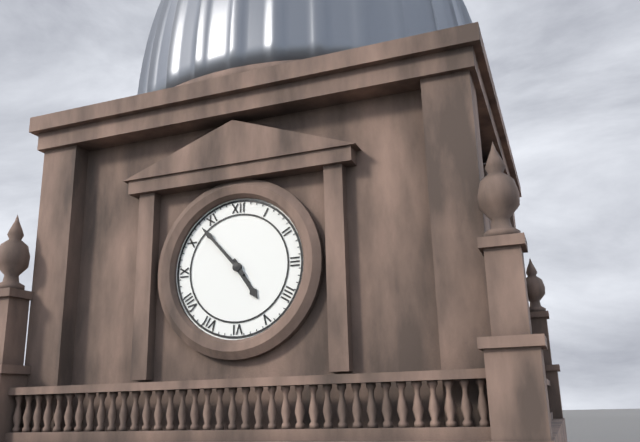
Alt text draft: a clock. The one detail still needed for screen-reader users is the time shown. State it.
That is 4:53
